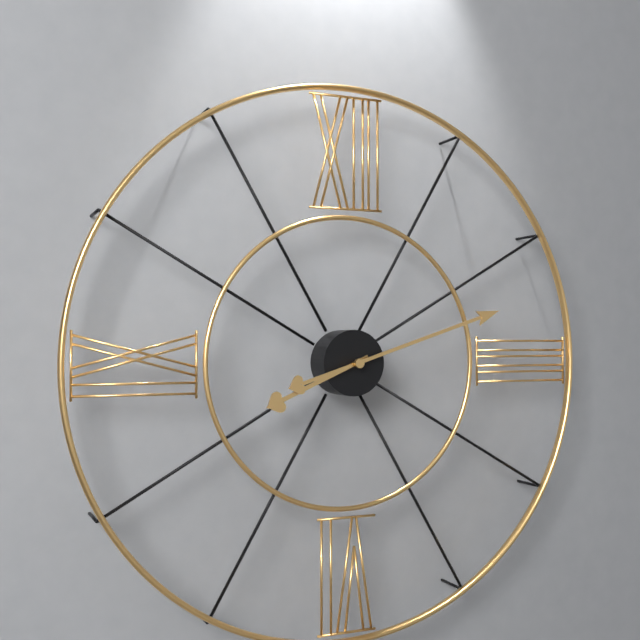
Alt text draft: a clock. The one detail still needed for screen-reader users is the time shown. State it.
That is 8:12
